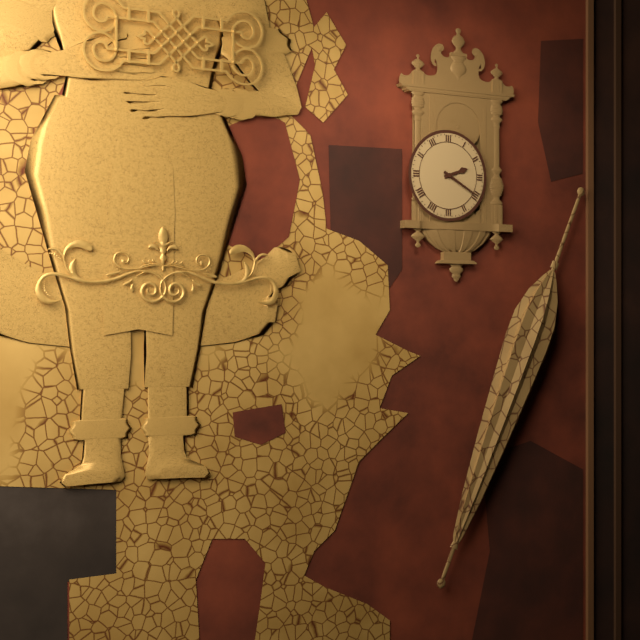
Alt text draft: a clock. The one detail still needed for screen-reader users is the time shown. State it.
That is 2:20
